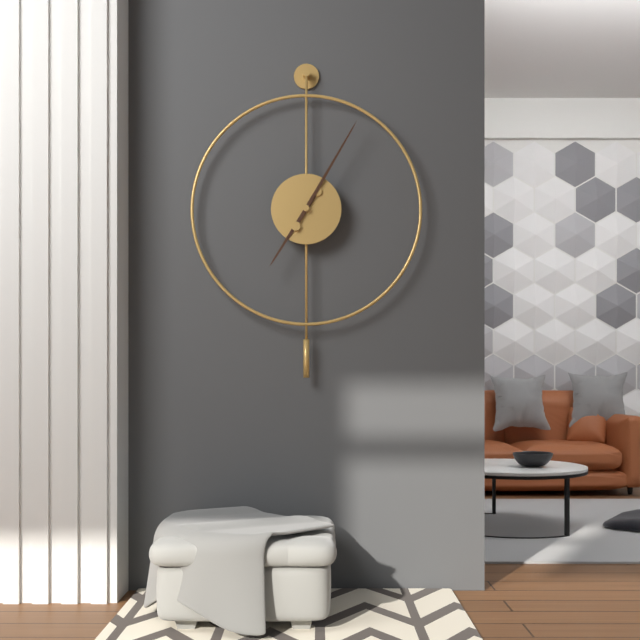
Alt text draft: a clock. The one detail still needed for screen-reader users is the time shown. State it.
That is 7:05
